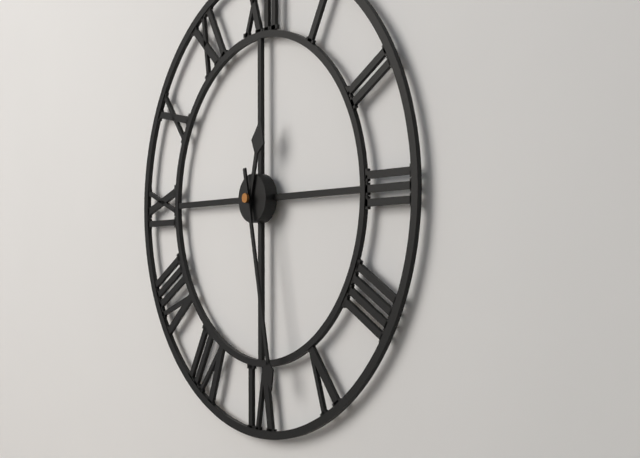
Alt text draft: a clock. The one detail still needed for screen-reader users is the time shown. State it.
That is 12:28
